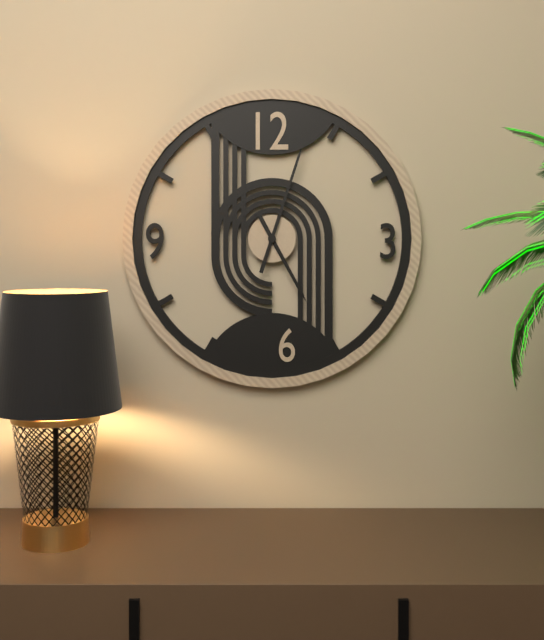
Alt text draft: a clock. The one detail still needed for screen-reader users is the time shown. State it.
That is 5:03
